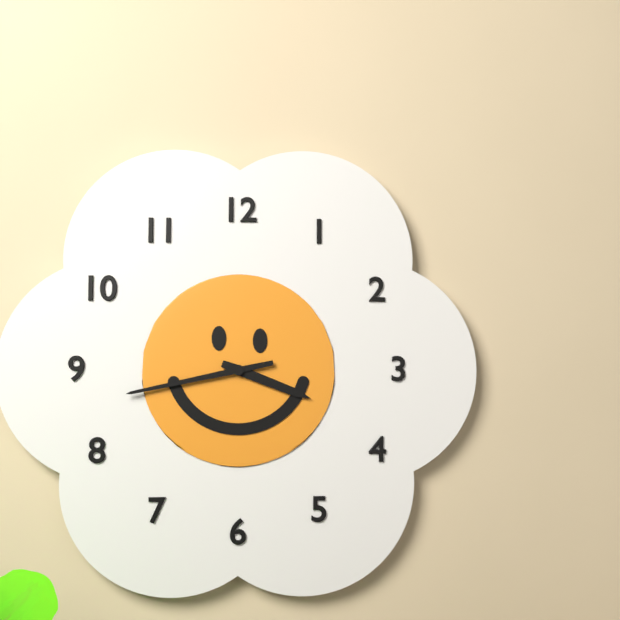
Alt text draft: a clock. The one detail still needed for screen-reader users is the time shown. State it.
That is 3:43
